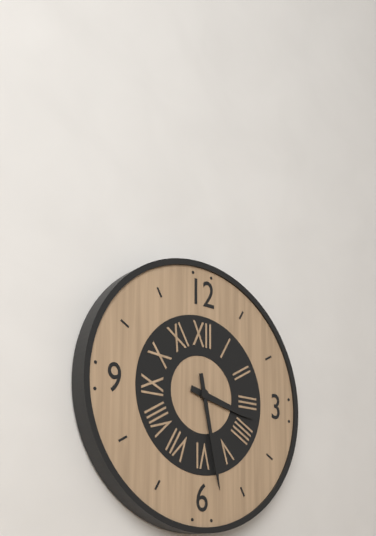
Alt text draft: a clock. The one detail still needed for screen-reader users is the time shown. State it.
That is 3:28
